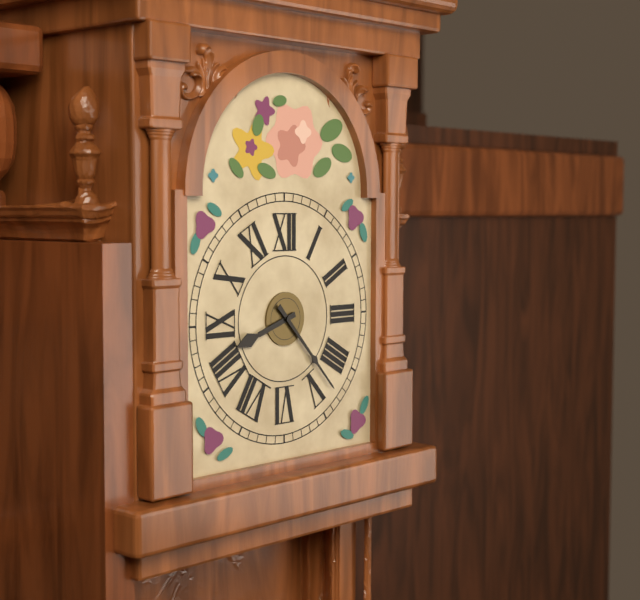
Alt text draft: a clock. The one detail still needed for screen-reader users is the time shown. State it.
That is 8:23
